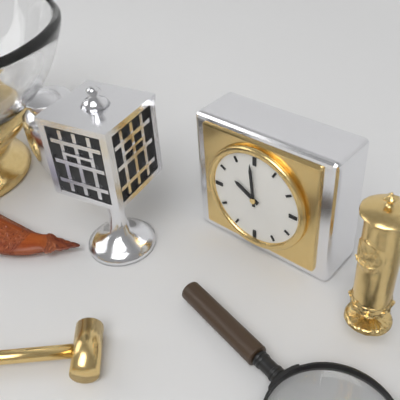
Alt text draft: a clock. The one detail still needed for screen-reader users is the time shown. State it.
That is 9:59
